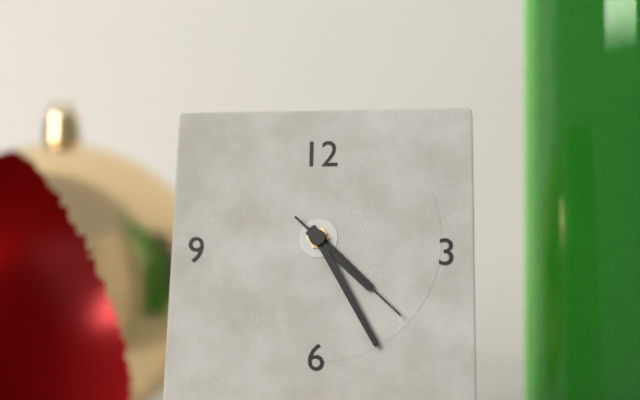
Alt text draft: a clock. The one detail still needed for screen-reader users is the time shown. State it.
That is 4:25:22
